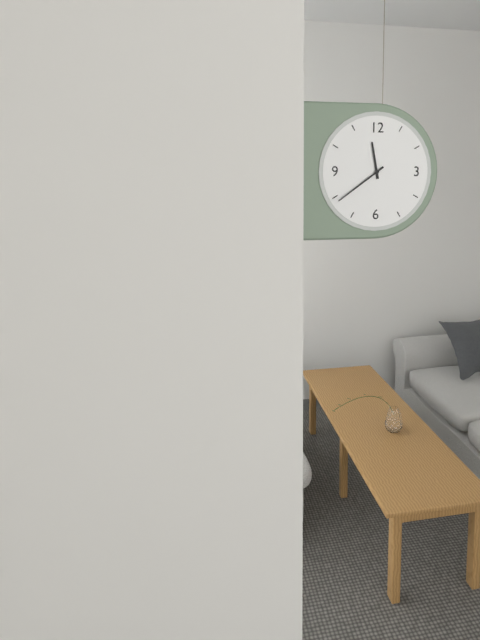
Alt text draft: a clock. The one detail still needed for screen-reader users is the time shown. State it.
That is 11:39
